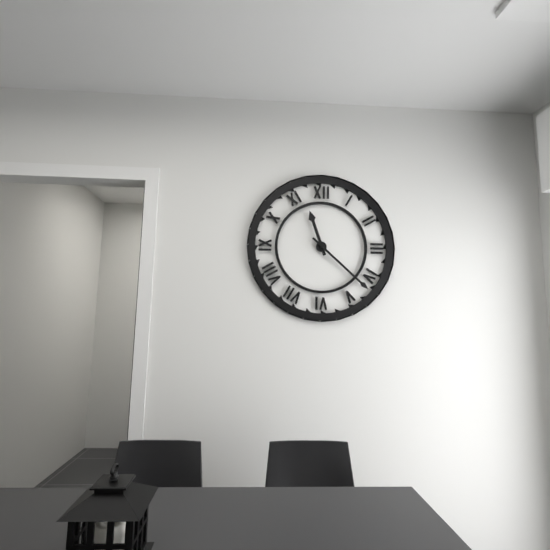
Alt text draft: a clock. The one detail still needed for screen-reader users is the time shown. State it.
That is 11:22
